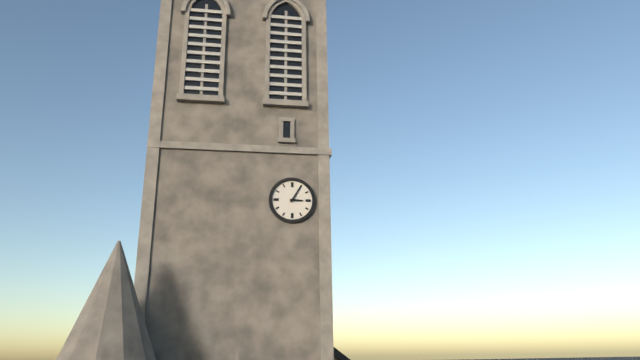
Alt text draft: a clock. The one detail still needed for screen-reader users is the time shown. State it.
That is 3:05
